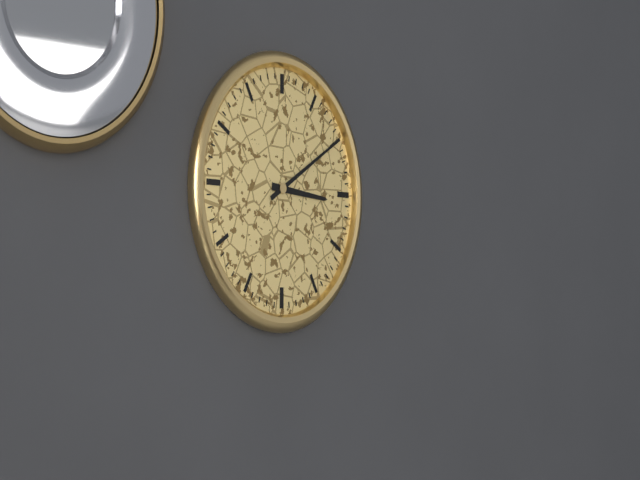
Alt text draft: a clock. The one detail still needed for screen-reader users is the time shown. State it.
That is 3:10
